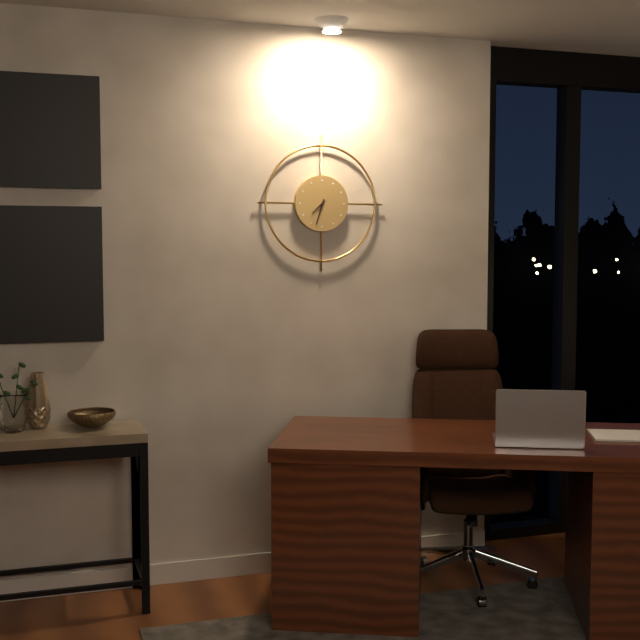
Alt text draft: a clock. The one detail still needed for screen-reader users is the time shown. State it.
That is 7:33
